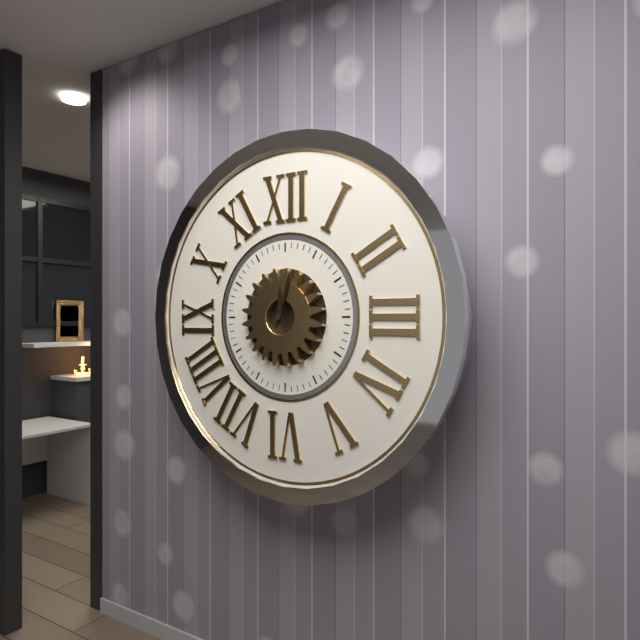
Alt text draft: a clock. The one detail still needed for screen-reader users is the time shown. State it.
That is 12:03
